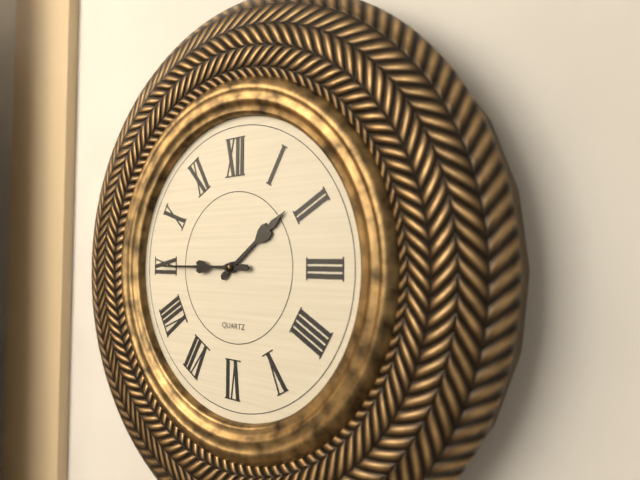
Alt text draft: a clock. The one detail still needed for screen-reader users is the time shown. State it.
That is 1:45
